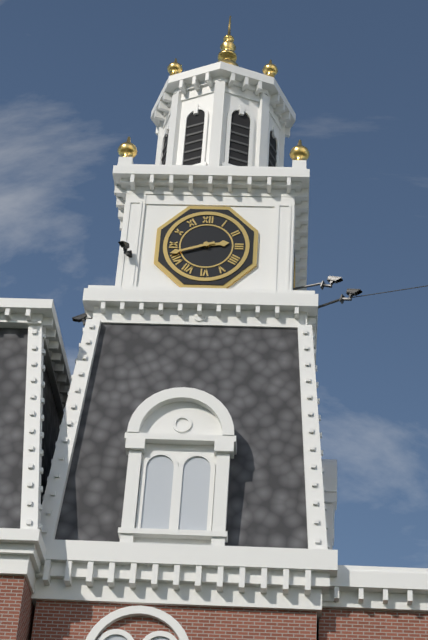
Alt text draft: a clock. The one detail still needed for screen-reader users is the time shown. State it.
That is 2:42
